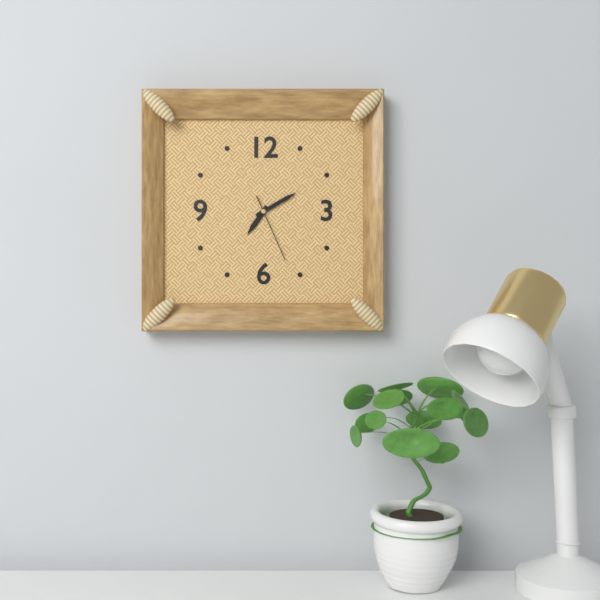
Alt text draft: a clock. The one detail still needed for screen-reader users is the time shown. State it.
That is 7:10:26
